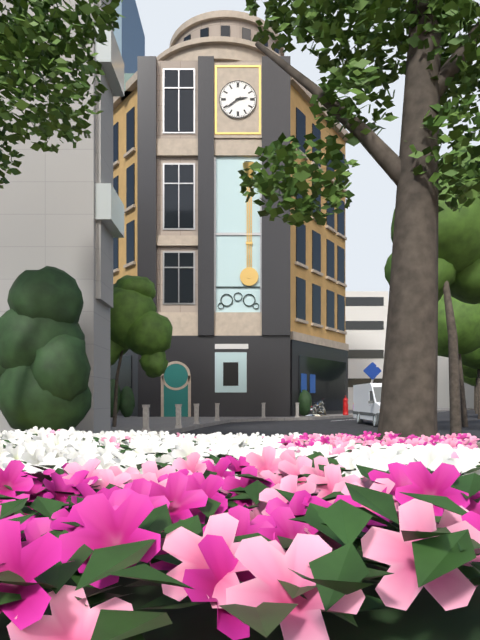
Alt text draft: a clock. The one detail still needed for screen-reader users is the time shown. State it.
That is 2:39
